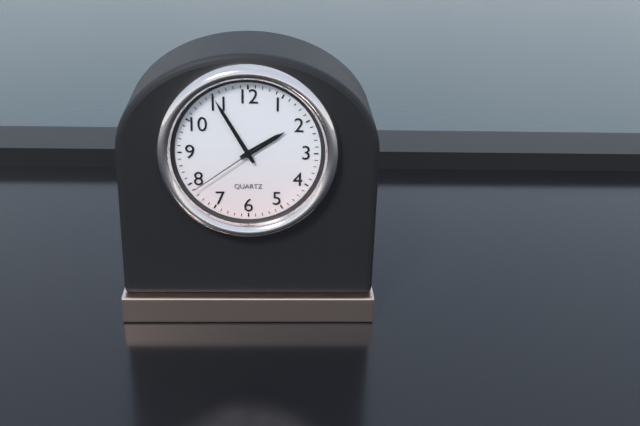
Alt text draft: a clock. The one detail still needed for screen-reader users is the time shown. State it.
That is 1:55:39
